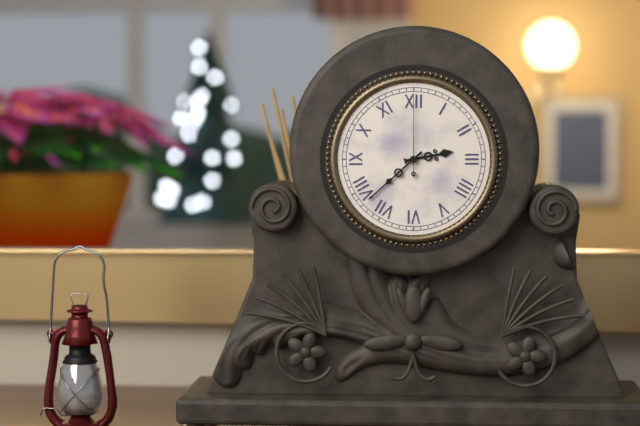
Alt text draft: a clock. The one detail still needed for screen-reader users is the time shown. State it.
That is 2:38:00
